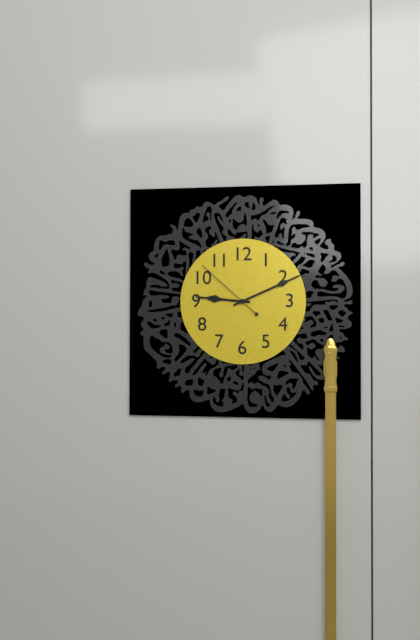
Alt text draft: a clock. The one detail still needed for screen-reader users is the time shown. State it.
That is 9:11:52
